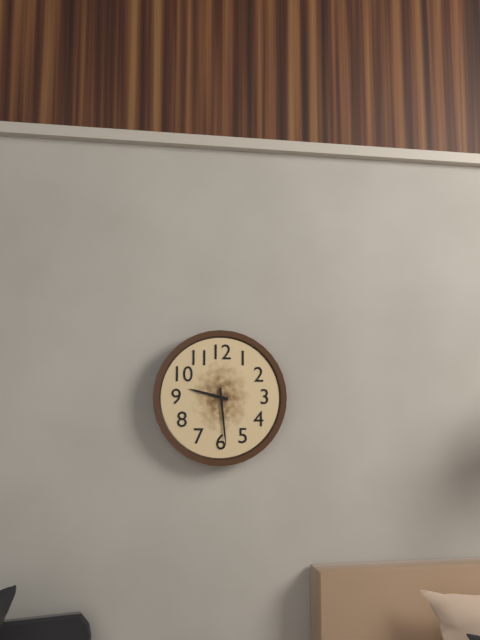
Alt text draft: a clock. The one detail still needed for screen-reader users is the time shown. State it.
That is 9:29
